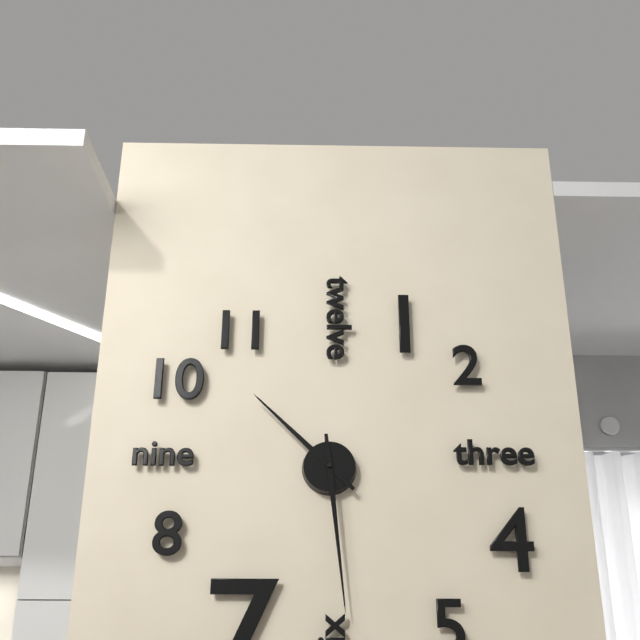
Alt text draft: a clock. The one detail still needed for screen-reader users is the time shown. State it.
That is 10:29
